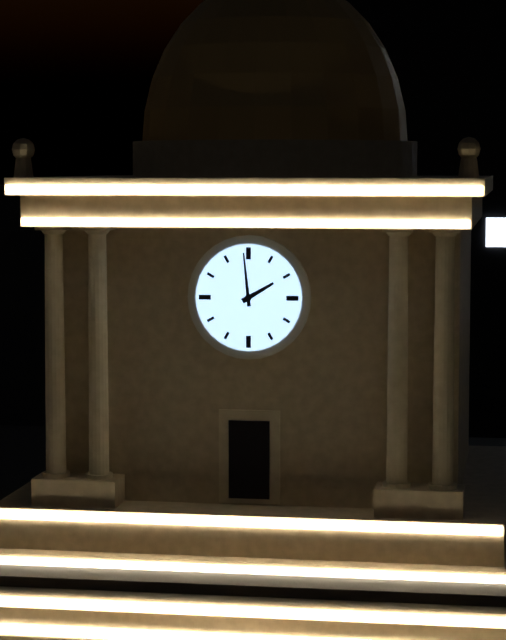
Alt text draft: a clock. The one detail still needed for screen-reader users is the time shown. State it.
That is 1:59
